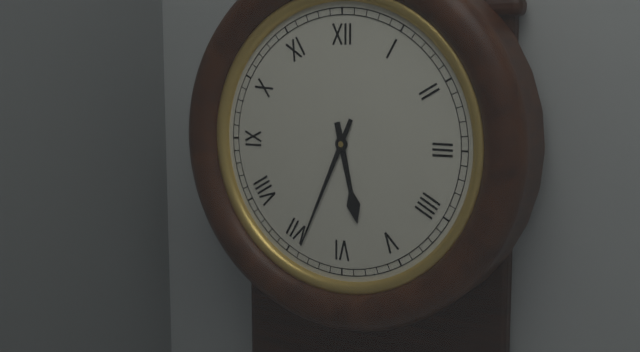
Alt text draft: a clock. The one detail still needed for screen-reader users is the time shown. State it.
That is 5:34
